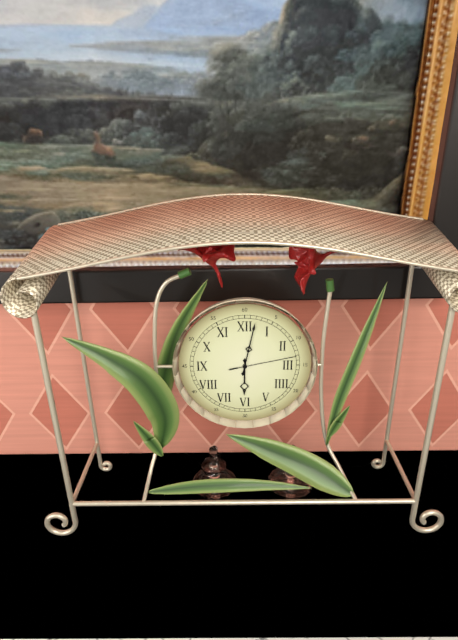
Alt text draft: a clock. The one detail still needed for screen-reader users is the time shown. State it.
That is 6:02:13
